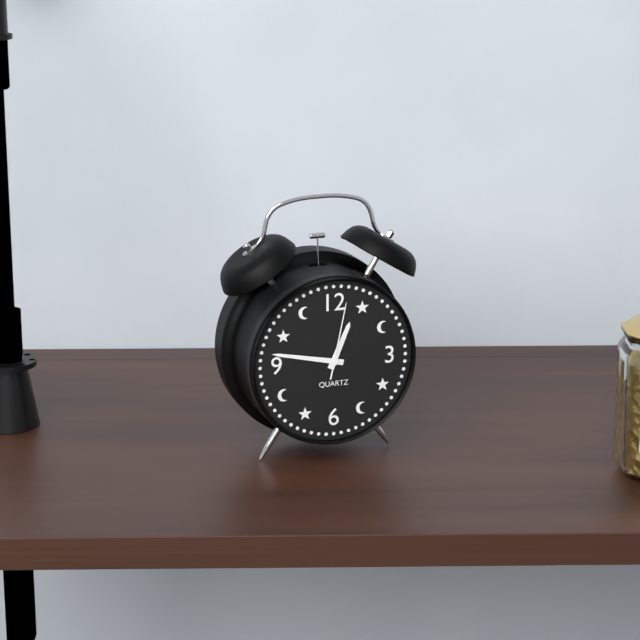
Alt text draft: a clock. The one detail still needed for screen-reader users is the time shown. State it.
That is 12:47:02
